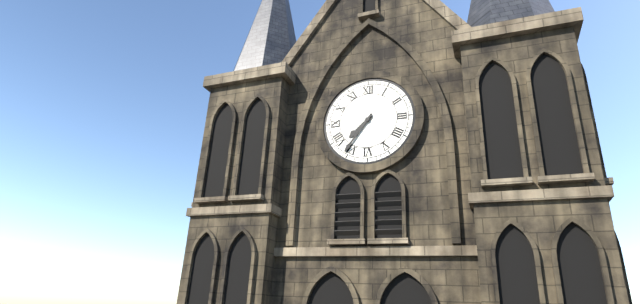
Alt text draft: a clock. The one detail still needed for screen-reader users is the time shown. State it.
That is 7:36
